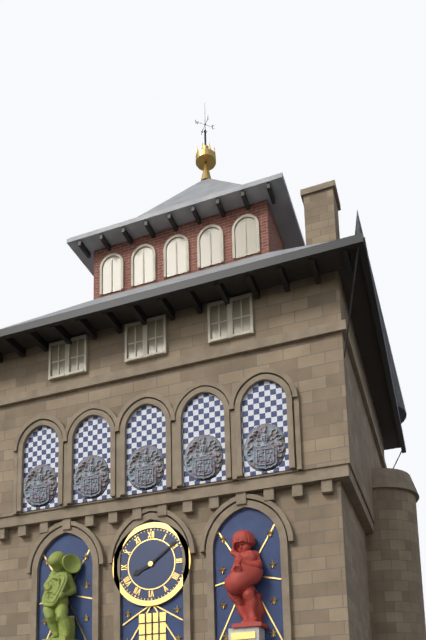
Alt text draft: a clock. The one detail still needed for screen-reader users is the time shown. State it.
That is 8:09
